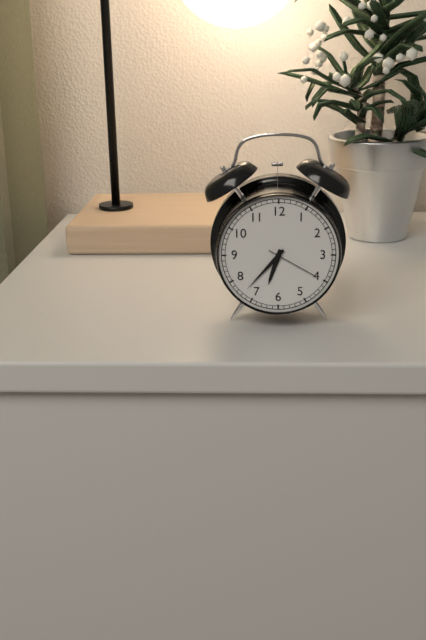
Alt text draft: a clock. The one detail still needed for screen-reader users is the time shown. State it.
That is 6:37:20
